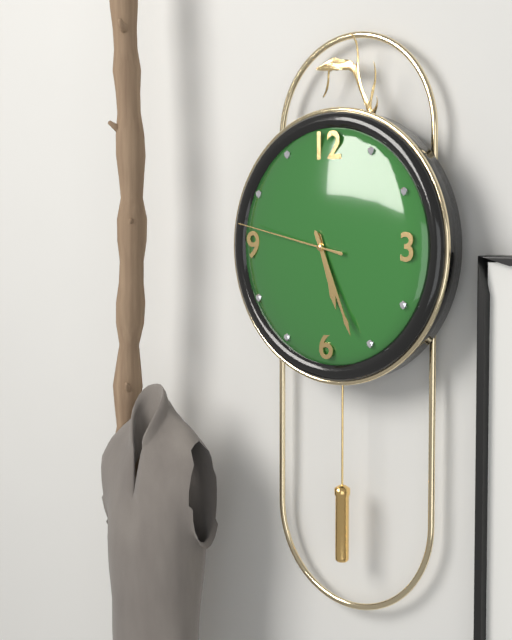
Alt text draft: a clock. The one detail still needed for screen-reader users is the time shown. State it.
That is 5:26:47
